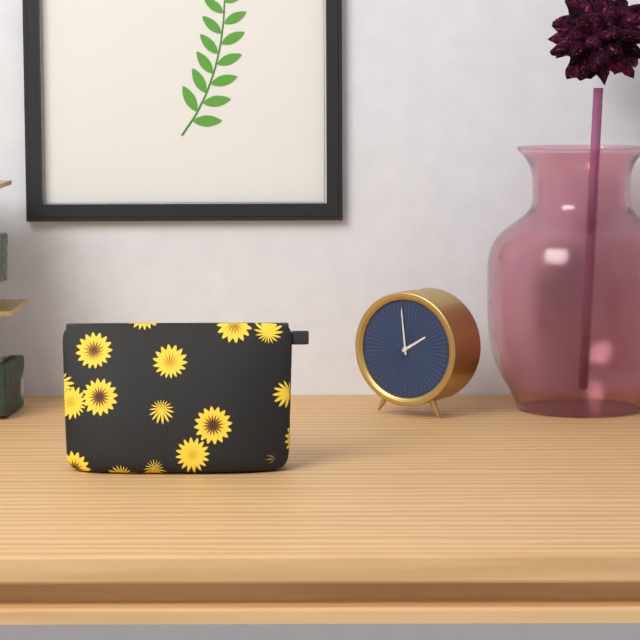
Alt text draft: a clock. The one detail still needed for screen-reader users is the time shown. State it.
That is 1:59
